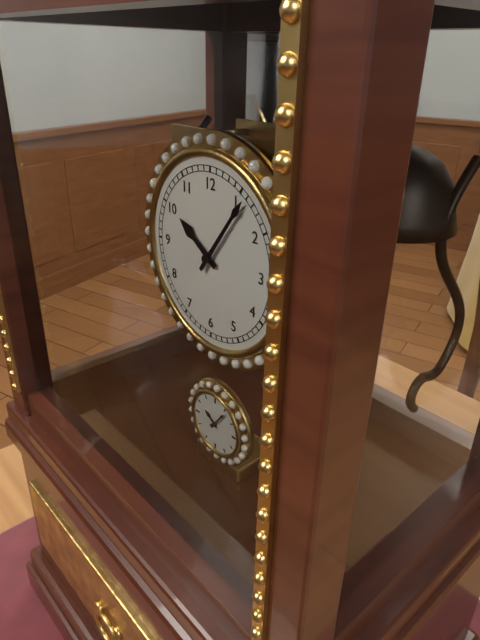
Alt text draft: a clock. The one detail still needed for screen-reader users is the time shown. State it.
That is 10:06
